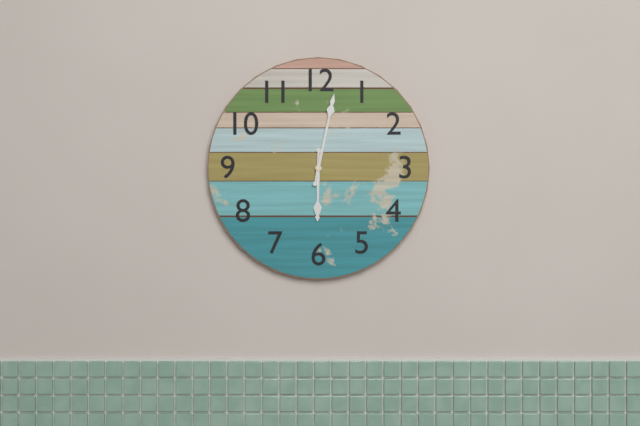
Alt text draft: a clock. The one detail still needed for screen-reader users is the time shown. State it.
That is 6:02
